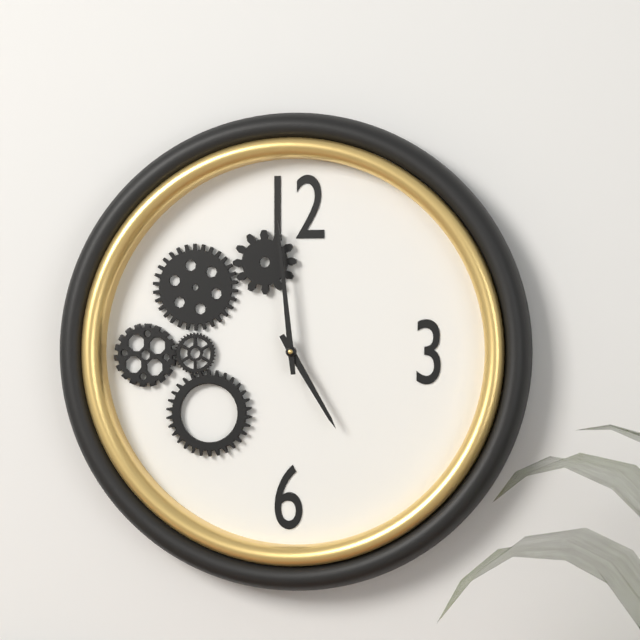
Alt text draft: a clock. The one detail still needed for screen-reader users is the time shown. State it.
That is 4:59
